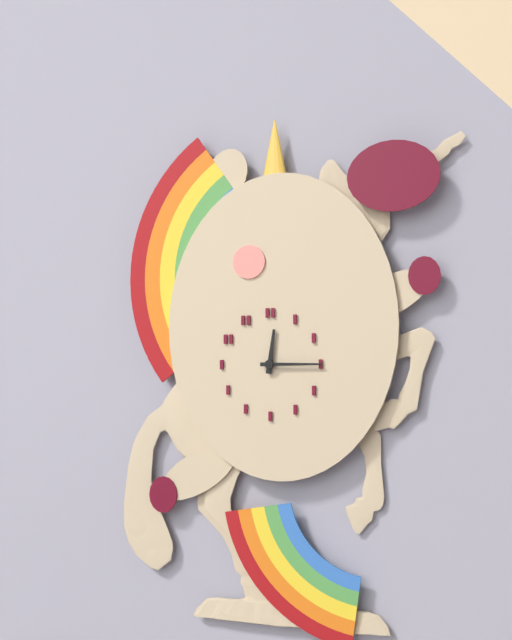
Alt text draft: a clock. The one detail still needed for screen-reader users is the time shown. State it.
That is 12:15
